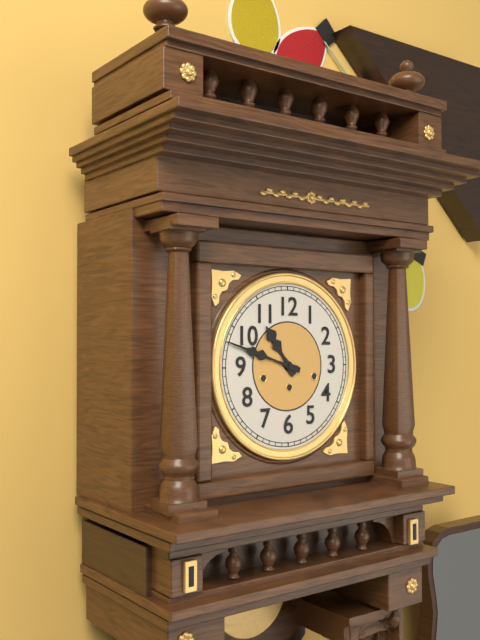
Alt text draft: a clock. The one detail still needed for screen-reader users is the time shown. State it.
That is 10:48
